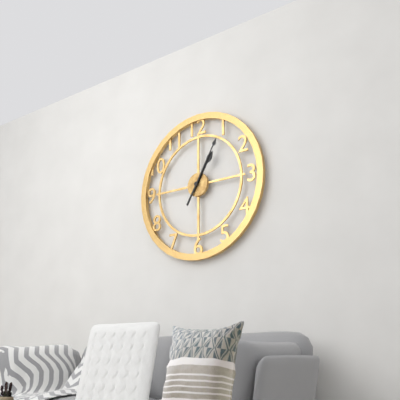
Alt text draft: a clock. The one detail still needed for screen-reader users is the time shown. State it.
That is 1:05
